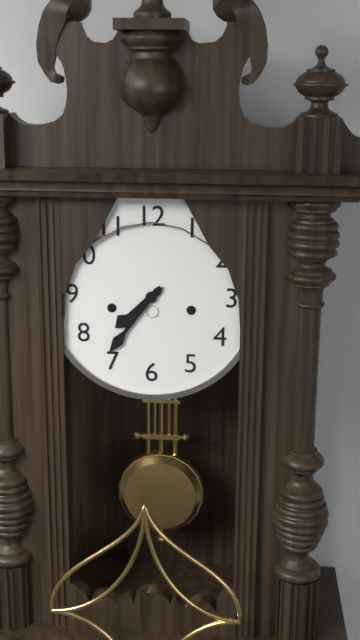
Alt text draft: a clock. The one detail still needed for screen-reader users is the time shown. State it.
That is 7:36
